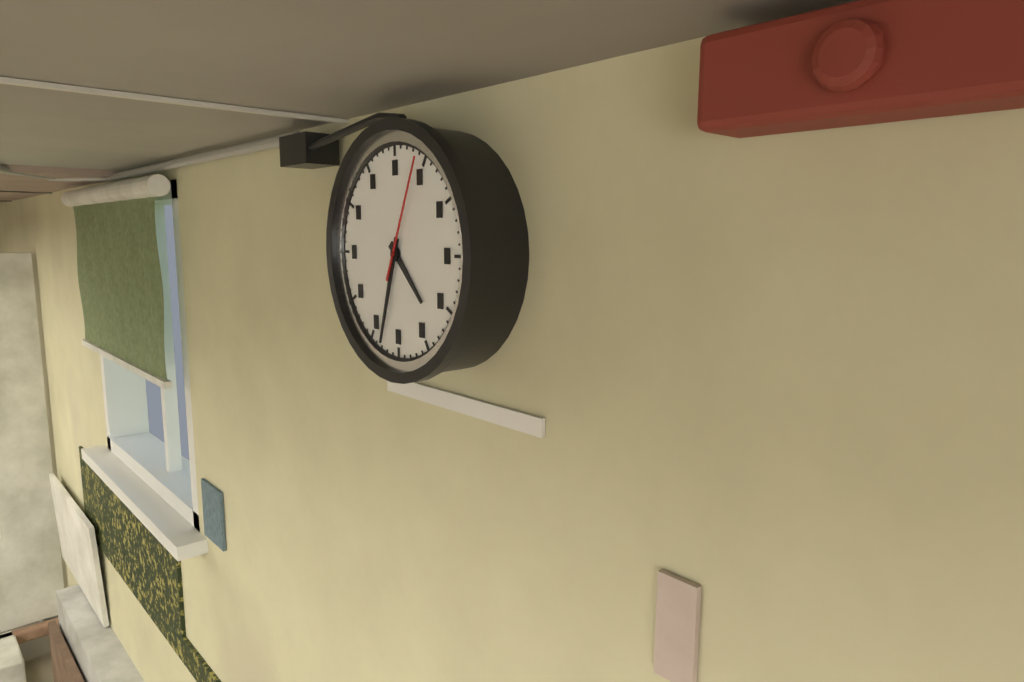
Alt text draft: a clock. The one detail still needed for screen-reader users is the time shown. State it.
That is 4:33:04
